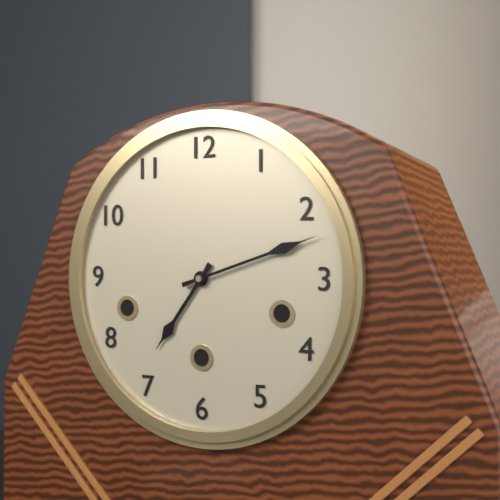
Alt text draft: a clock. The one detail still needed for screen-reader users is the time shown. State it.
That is 7:12
